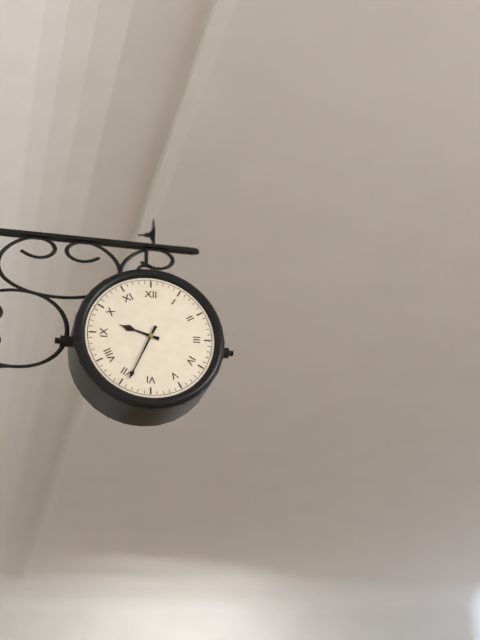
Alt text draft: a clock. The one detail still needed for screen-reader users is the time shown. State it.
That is 9:34
